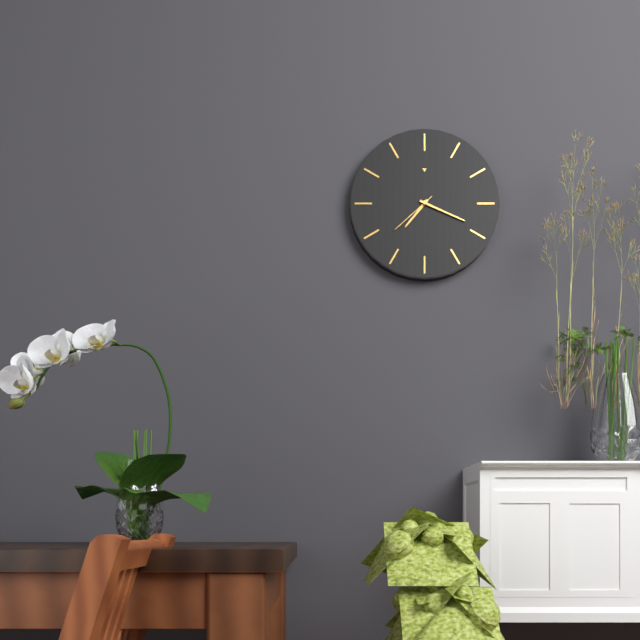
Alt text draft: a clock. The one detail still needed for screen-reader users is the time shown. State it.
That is 7:19:38
